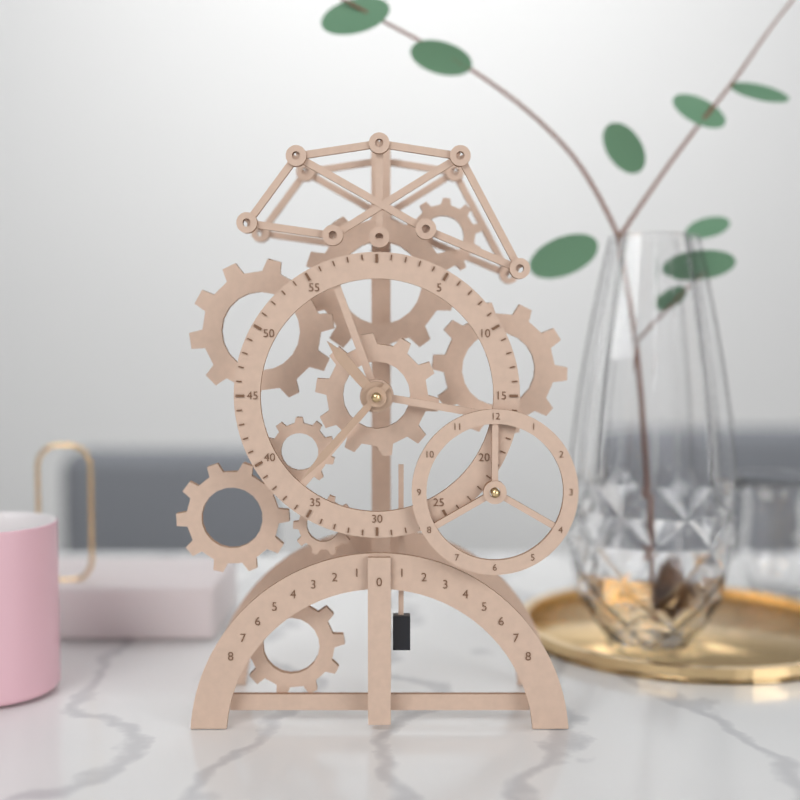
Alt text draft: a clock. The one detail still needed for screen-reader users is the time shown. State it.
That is 10:37
